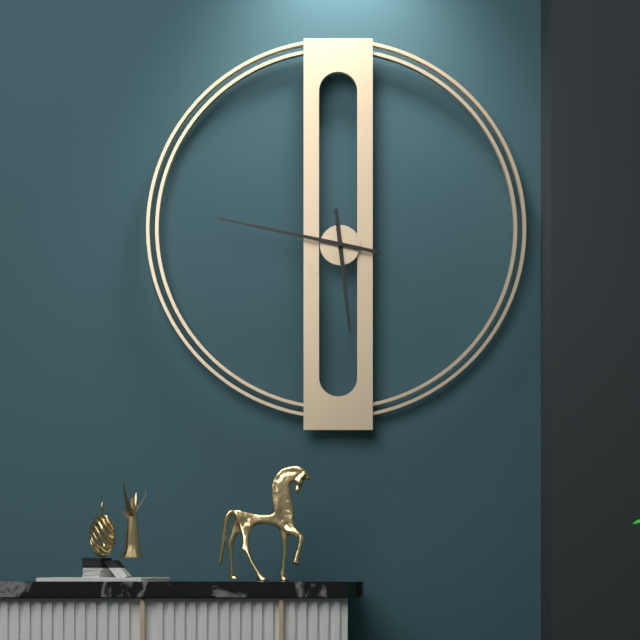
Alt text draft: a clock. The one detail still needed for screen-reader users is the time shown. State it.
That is 5:47
